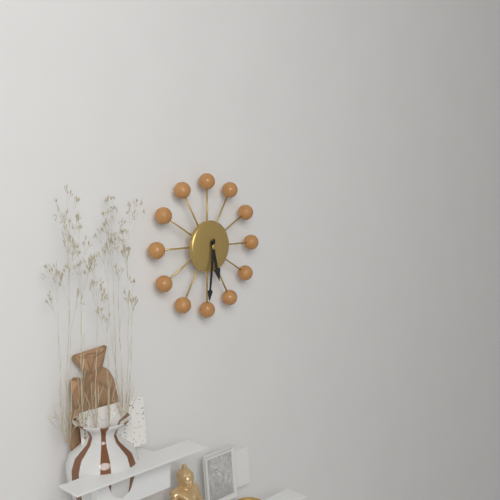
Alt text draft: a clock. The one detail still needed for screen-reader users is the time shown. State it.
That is 5:31
